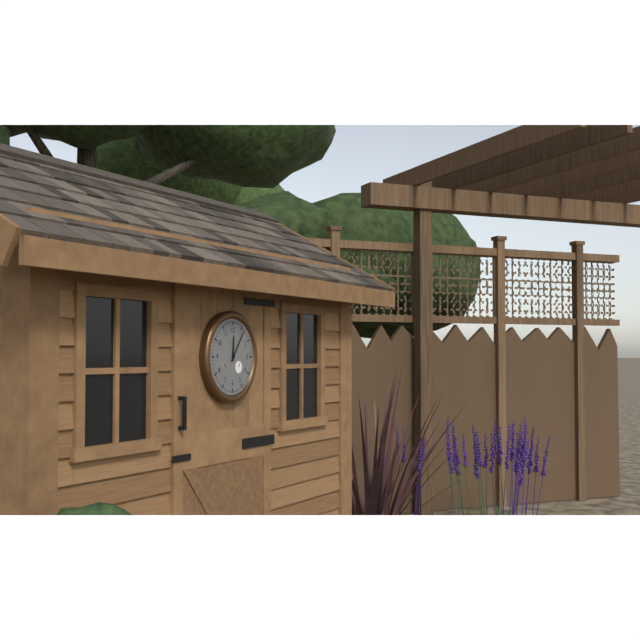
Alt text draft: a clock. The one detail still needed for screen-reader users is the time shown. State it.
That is 12:06
